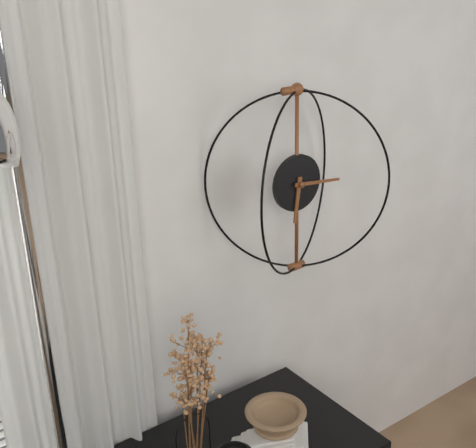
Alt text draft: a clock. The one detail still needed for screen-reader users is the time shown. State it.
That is 6:16
